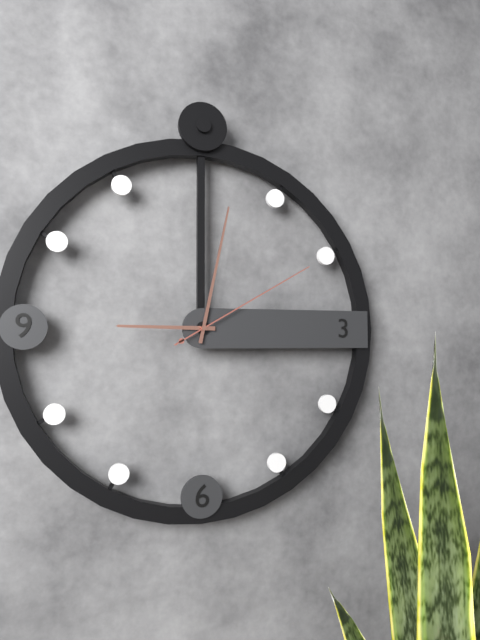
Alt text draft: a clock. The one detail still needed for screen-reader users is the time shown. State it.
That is 9:02:10
